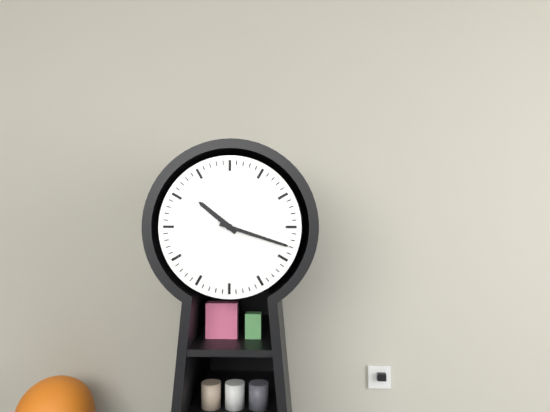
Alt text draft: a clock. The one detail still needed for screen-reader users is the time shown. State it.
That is 10:18
